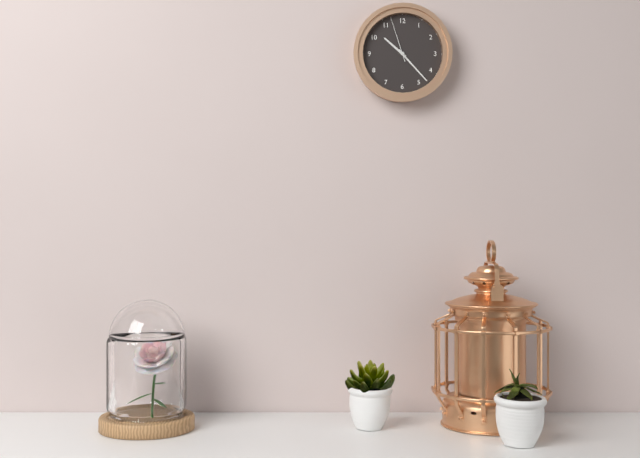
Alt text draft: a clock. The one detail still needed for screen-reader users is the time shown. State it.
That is 10:23
